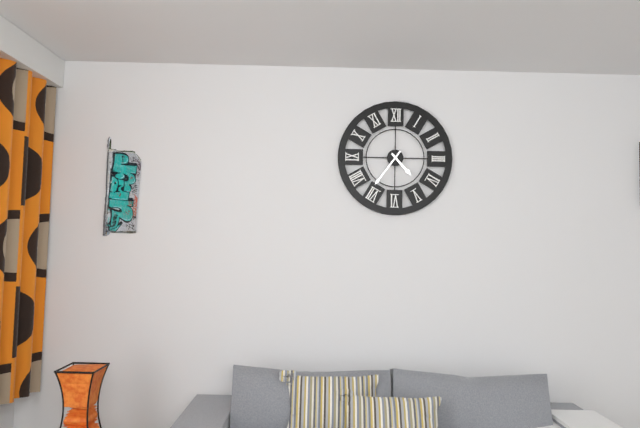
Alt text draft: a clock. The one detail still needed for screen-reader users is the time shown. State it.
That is 4:36
